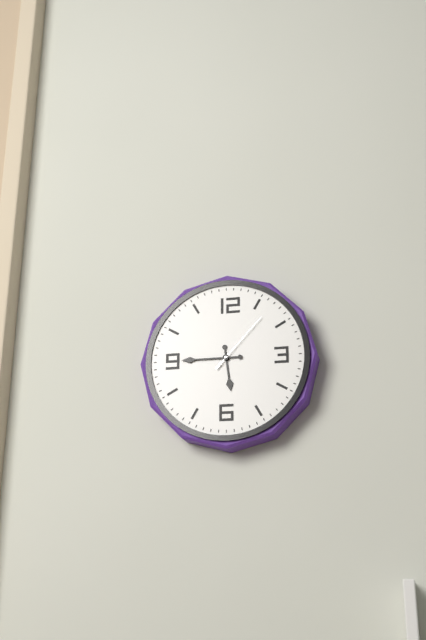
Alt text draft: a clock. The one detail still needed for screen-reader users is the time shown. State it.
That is 5:45:07
